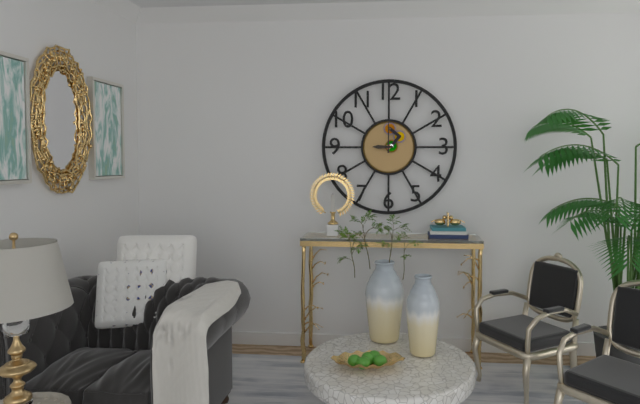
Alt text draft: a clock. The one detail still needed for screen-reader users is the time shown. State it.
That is 9:00
